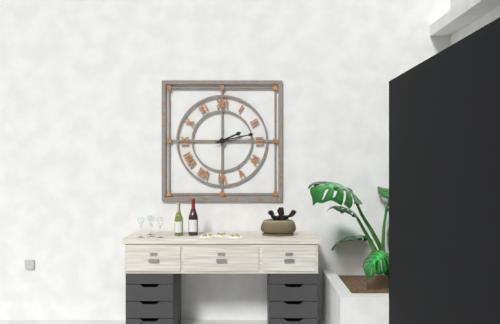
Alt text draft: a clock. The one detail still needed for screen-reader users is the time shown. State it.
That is 2:13
